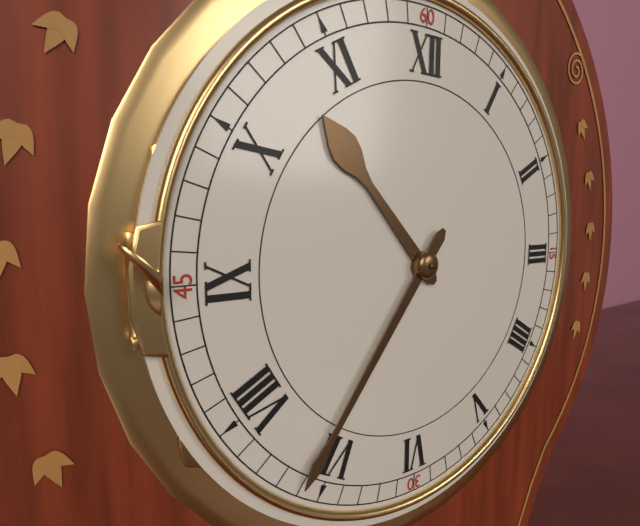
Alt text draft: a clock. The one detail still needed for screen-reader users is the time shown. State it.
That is 10:36
